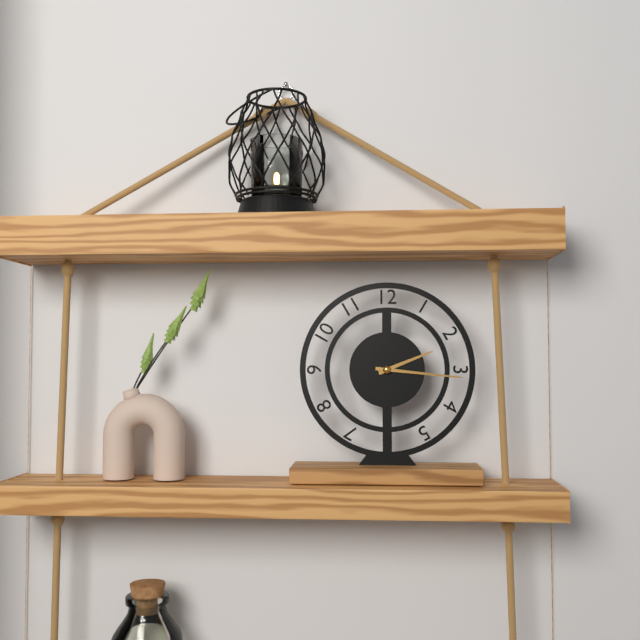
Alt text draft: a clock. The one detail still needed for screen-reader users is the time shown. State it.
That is 2:16
